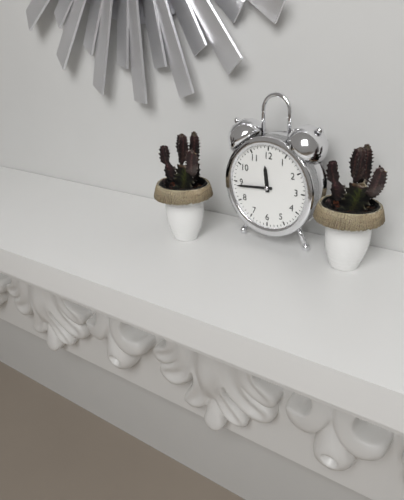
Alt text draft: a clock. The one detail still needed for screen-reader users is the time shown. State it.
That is 11:44
